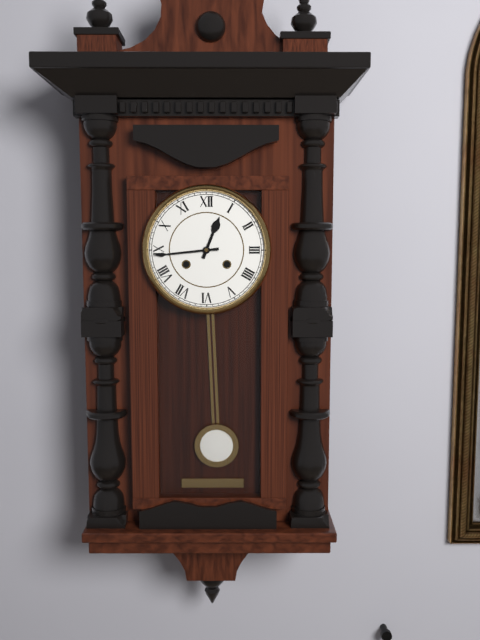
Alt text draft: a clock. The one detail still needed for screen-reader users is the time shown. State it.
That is 12:44
